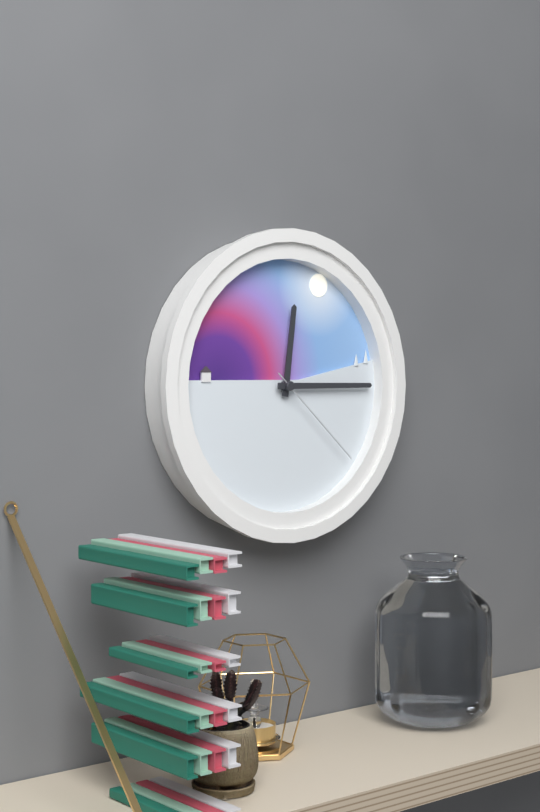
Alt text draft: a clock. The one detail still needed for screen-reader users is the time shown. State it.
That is 12:15:22
